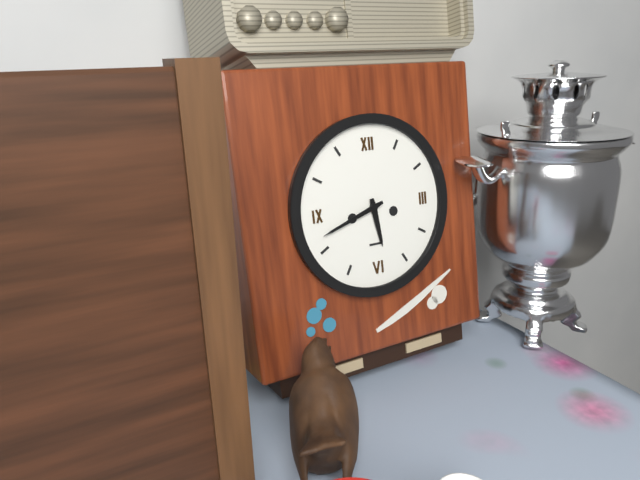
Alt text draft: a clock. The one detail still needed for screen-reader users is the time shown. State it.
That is 5:42
